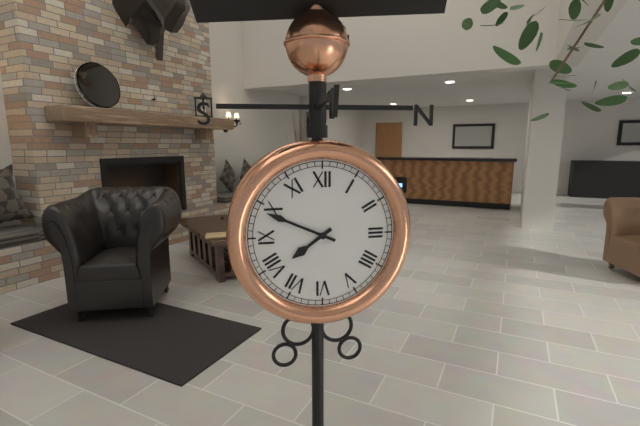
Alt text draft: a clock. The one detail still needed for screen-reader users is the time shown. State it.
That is 7:49
